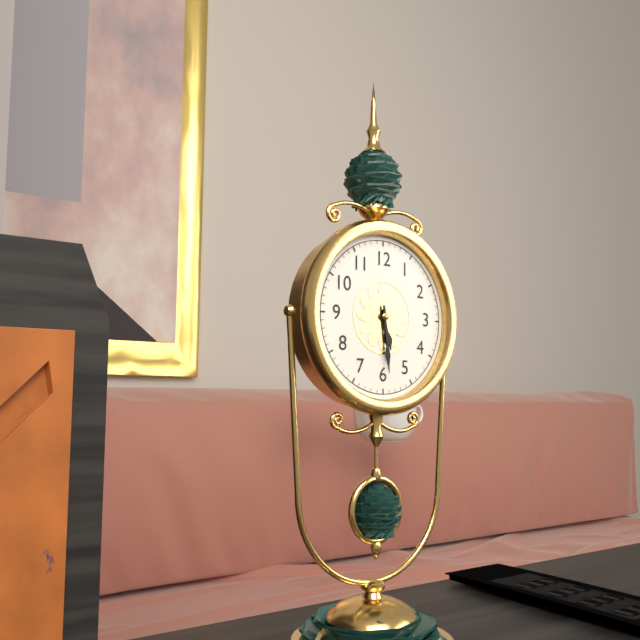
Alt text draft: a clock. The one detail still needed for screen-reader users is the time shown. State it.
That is 5:29
